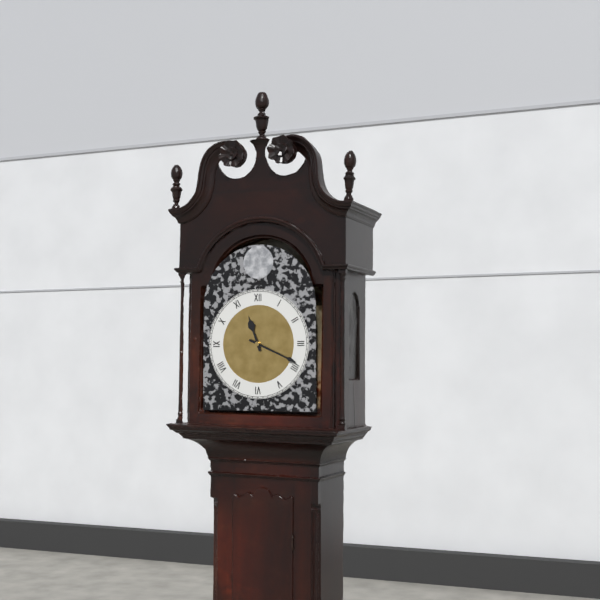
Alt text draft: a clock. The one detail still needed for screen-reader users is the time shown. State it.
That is 11:19
